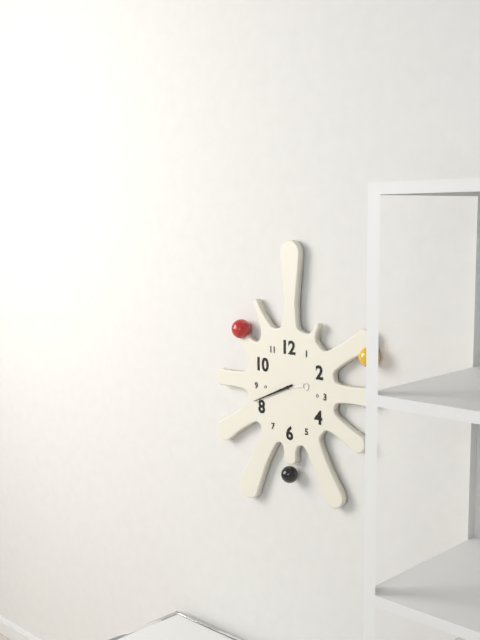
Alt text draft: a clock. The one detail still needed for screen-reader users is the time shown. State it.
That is 2:41
